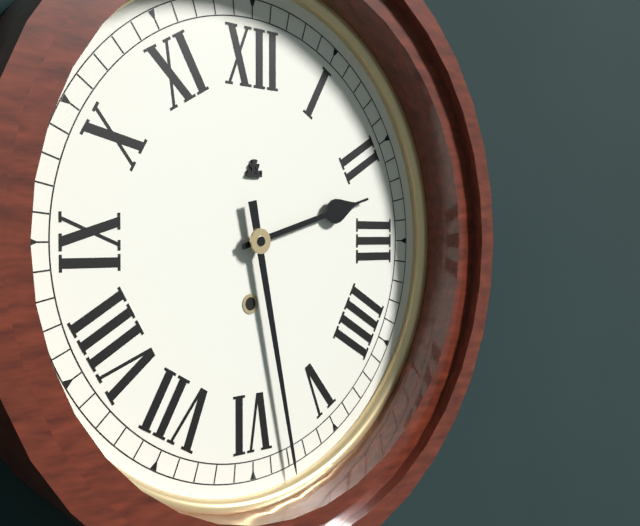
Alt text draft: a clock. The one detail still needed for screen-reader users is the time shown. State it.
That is 2:28
